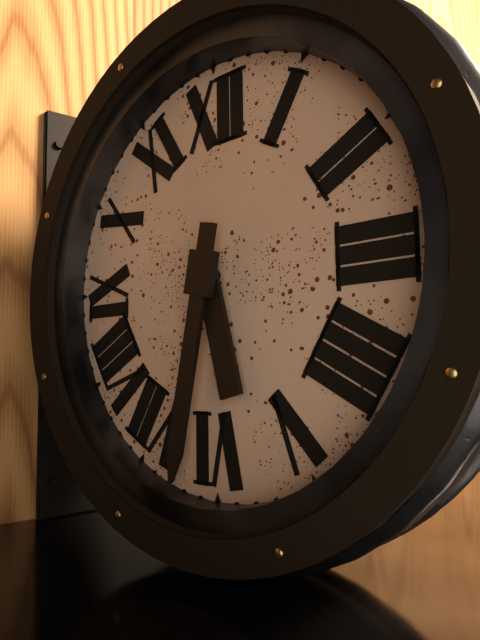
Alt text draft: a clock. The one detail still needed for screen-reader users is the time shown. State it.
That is 5:32
